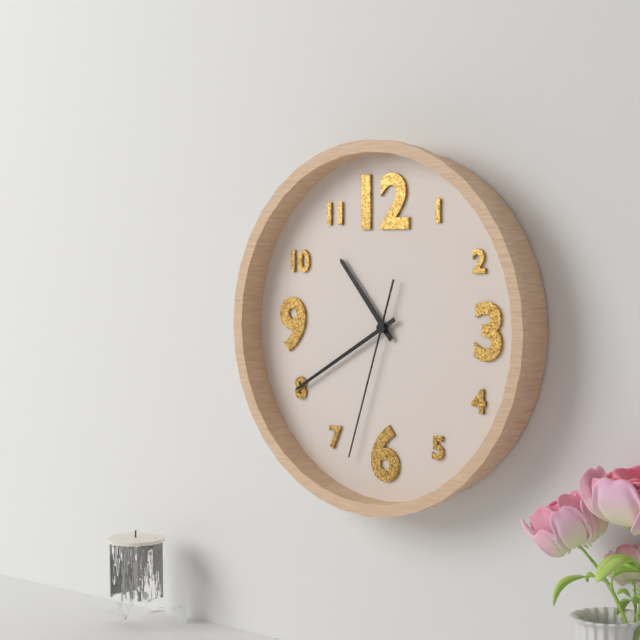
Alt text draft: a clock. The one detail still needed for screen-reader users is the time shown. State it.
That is 10:40:33
